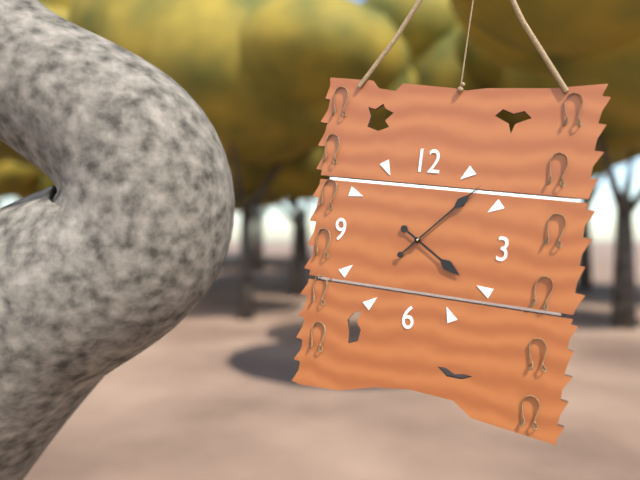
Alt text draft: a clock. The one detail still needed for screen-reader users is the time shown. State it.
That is 4:07
